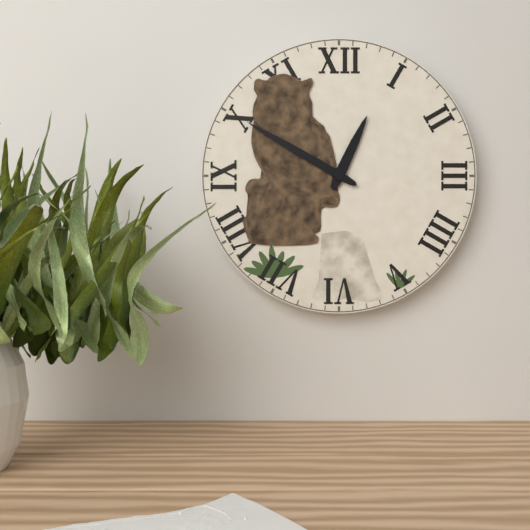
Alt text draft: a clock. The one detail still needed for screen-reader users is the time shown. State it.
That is 12:50
